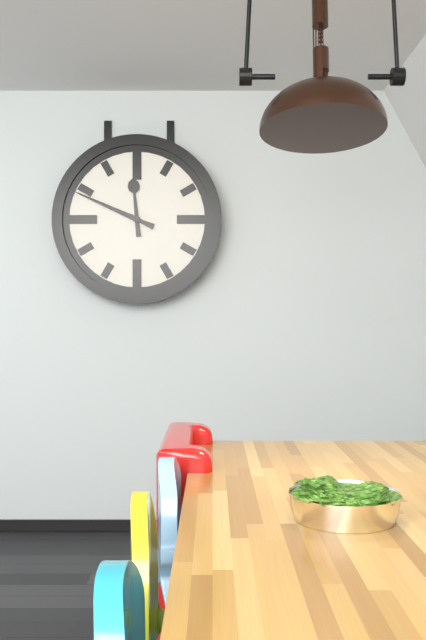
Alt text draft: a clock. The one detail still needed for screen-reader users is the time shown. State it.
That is 11:49
